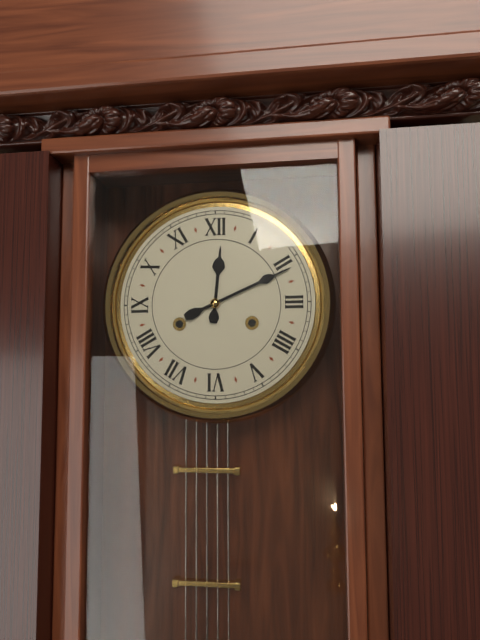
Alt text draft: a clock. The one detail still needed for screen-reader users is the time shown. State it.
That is 12:11
